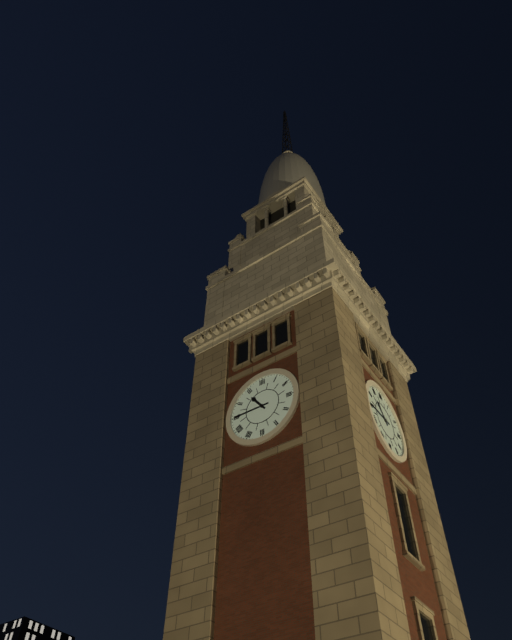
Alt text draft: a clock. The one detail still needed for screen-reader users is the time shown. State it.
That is 10:45
